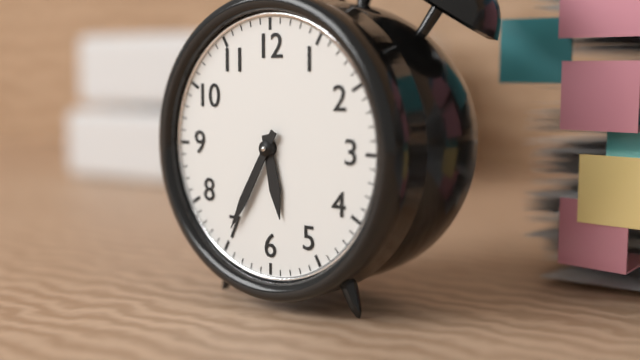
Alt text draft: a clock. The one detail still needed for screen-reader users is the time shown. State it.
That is 5:35
